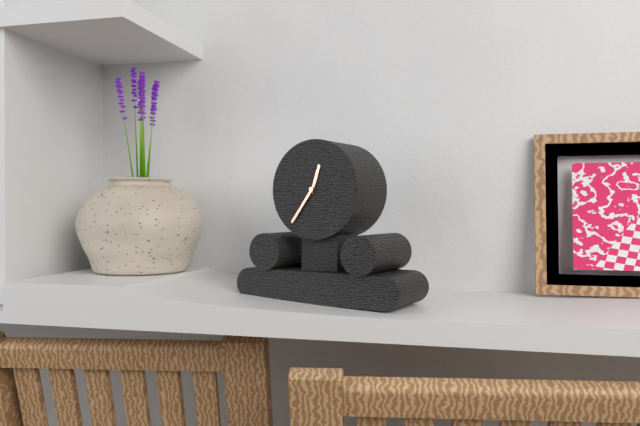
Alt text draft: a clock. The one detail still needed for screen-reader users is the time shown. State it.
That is 12:36
